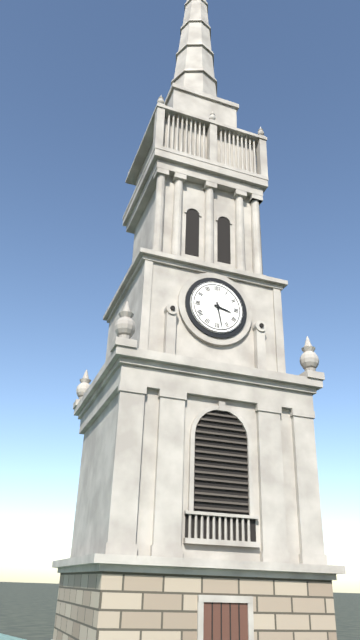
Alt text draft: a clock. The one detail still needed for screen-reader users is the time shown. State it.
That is 3:28
